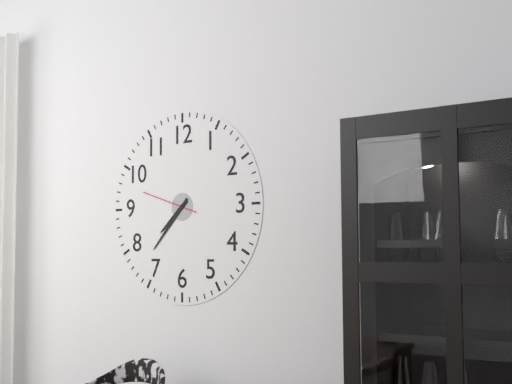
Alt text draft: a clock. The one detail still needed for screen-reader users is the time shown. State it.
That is 7:37:48
